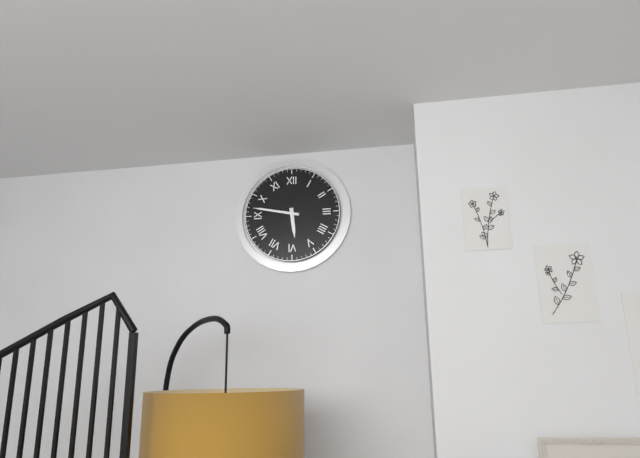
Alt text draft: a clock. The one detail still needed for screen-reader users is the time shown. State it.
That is 5:47
